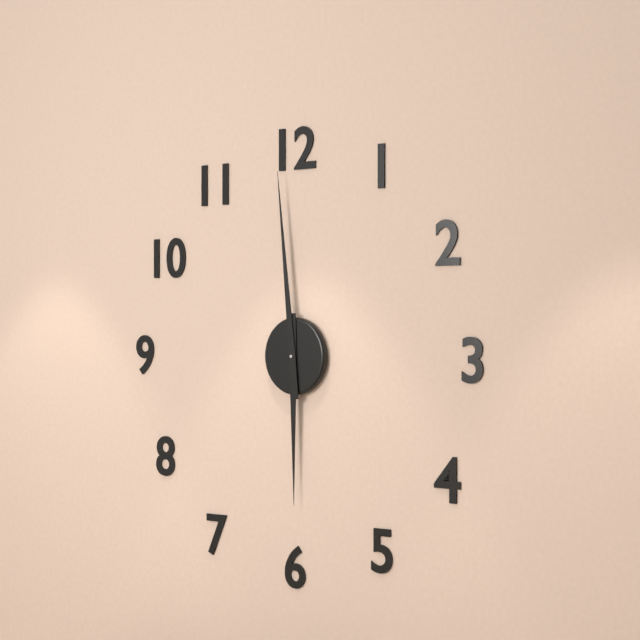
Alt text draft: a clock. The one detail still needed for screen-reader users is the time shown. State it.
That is 5:59
